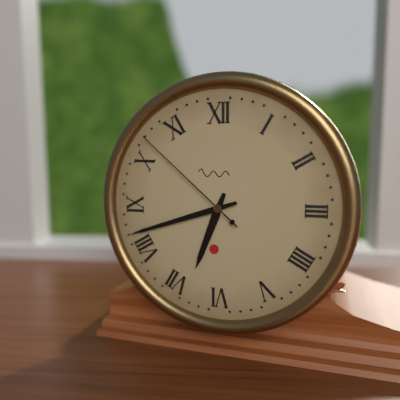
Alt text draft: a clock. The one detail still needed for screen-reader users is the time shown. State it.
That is 6:42:52
